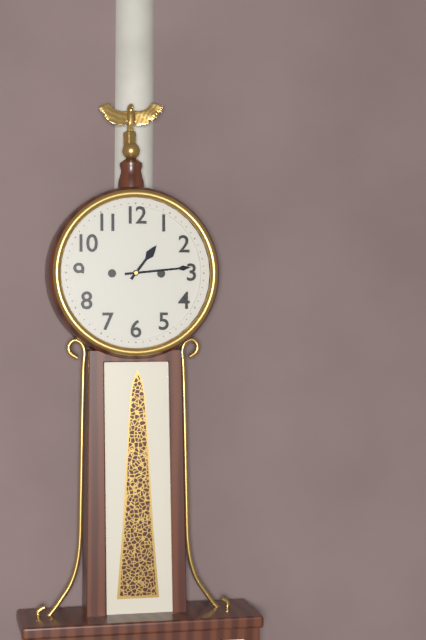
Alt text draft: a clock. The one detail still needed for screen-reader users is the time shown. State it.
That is 1:14
